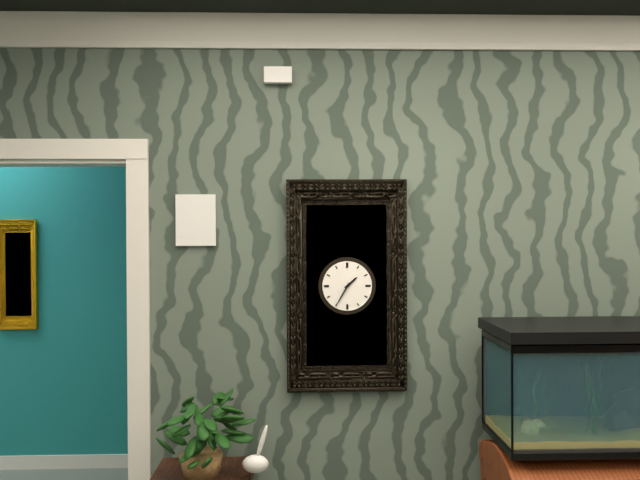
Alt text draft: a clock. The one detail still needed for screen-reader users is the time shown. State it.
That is 1:35
